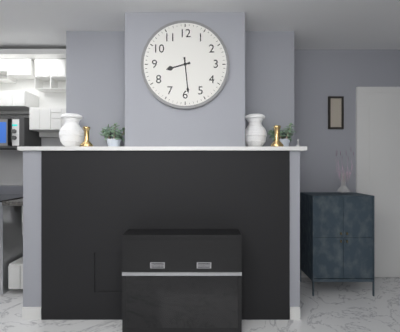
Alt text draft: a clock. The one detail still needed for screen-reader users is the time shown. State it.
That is 8:29
